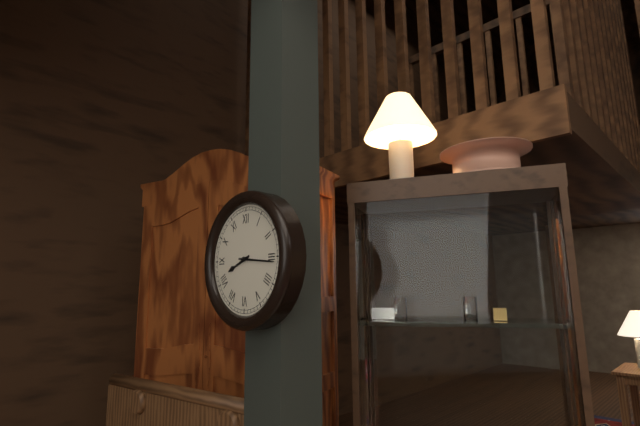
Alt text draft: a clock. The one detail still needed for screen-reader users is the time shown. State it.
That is 8:16
